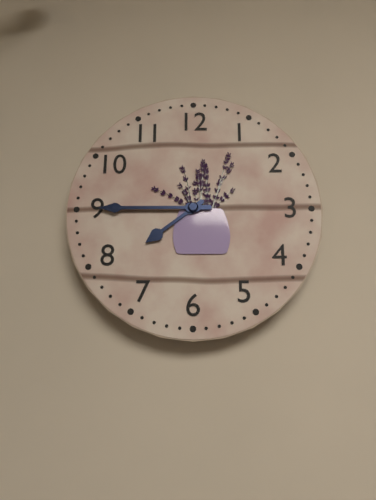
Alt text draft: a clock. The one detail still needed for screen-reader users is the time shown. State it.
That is 7:45
